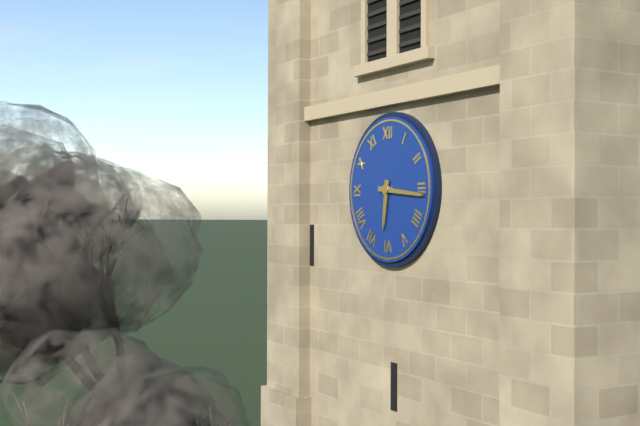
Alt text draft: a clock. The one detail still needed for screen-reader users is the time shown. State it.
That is 6:16
